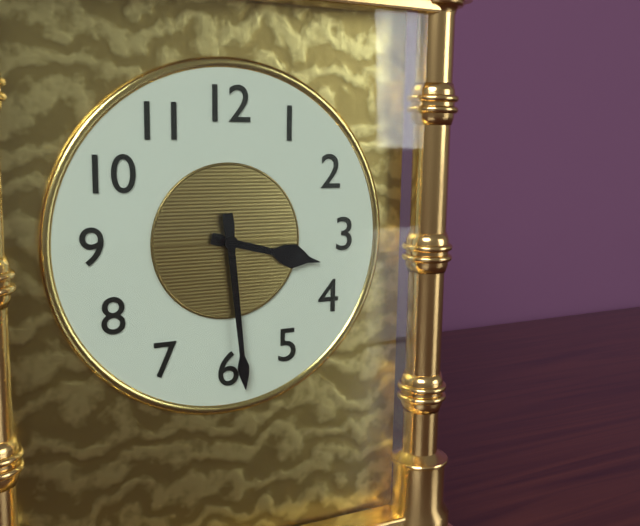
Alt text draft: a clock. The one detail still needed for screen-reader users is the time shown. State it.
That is 3:29
